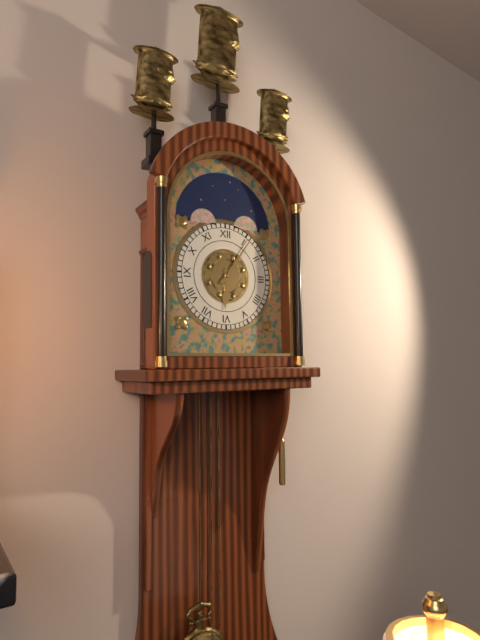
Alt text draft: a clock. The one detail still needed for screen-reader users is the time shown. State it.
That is 6:06
